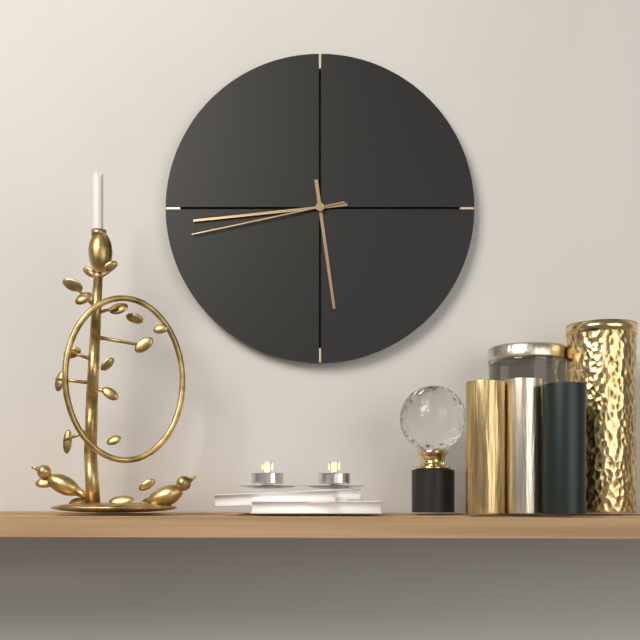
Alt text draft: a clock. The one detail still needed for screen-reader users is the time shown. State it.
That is 5:44:43
